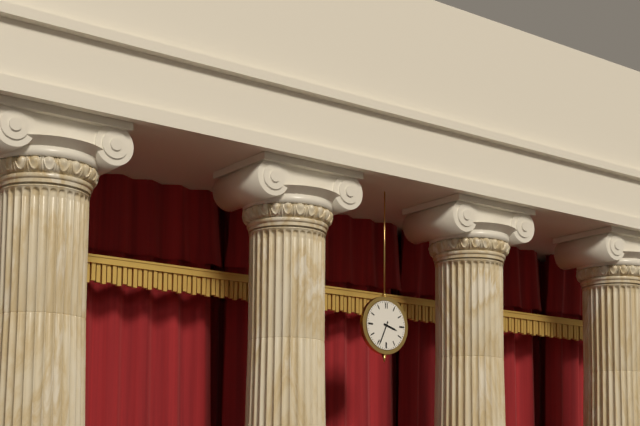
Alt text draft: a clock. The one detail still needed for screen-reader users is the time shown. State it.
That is 3:34
